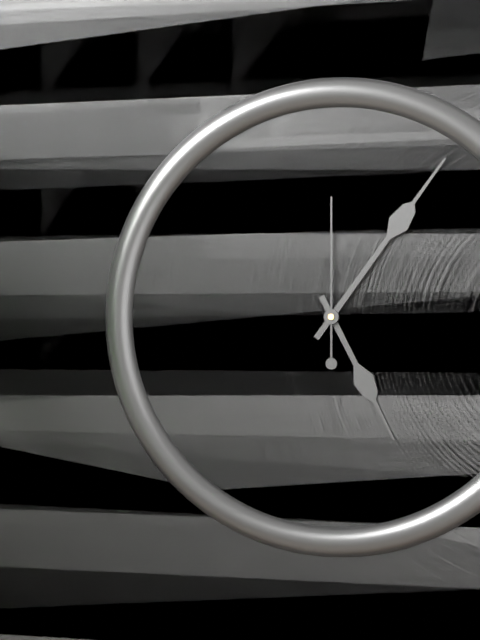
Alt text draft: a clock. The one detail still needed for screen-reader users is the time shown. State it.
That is 5:06:00
